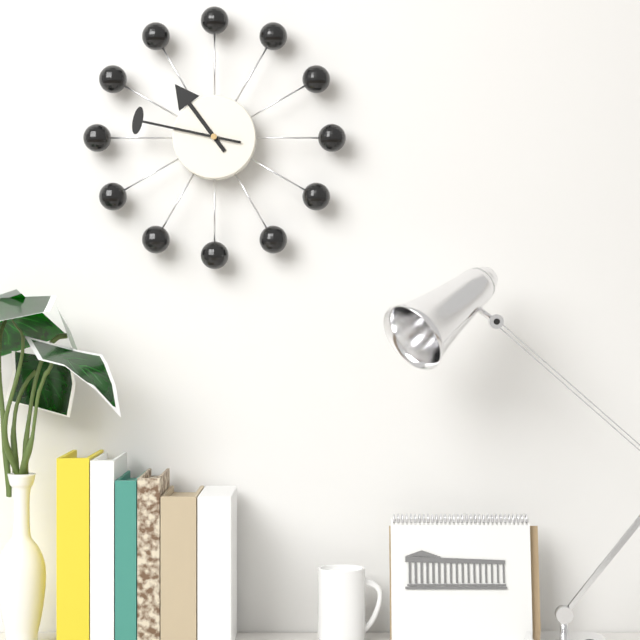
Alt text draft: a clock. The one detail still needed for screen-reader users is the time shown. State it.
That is 10:47
